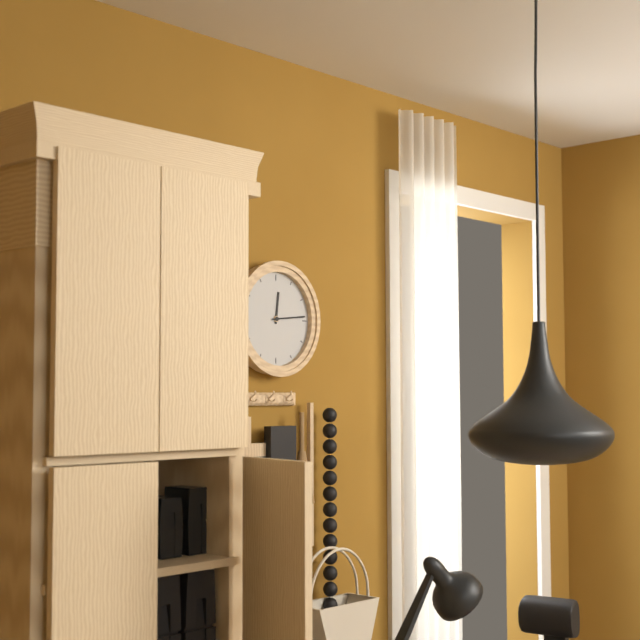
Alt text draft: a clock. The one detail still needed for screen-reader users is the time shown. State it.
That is 12:14
